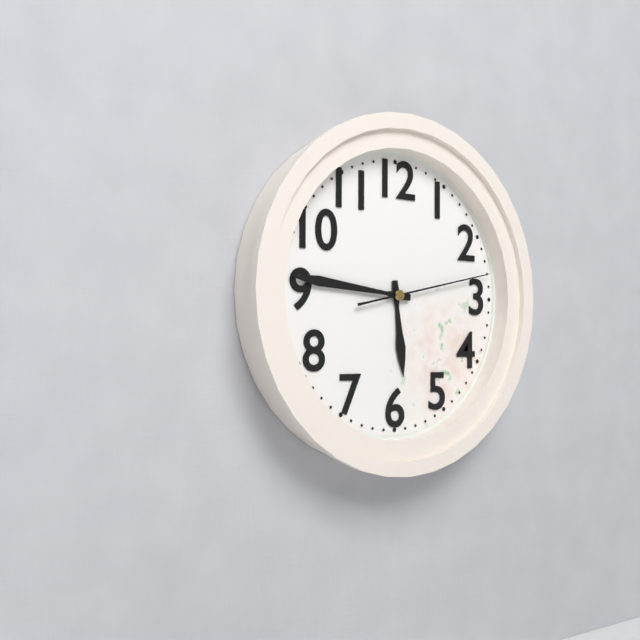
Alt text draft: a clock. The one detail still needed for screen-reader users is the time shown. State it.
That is 5:46:13
